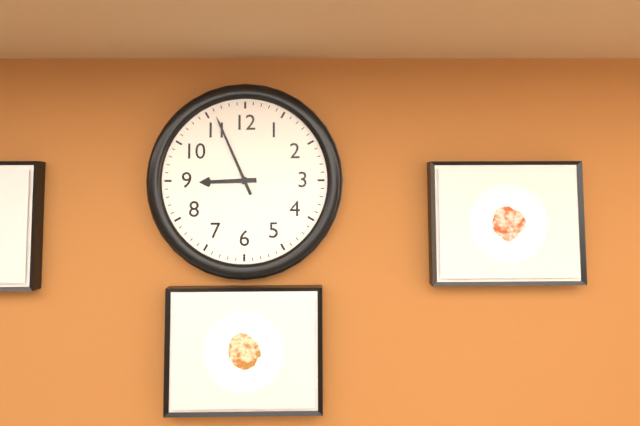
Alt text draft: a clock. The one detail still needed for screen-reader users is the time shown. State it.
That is 8:56
